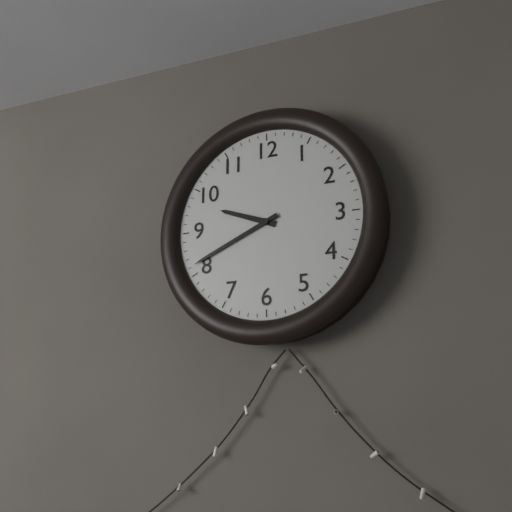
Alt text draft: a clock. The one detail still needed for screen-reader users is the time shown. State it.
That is 9:41
